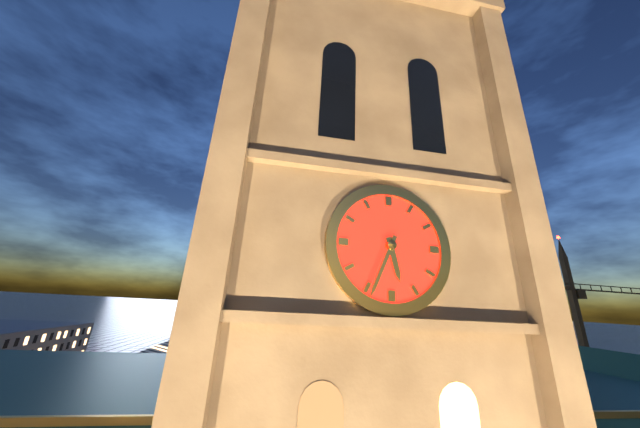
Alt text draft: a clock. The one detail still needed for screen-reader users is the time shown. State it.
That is 5:34
